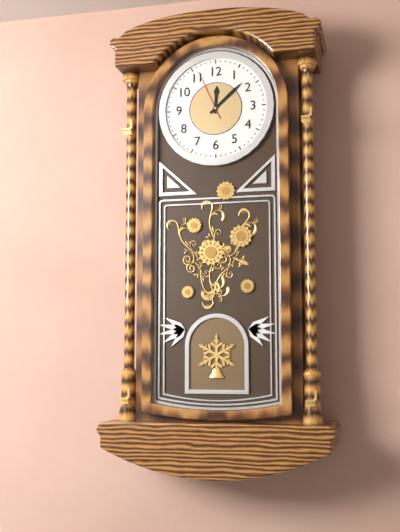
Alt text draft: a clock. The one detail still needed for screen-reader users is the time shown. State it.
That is 12:08:56
